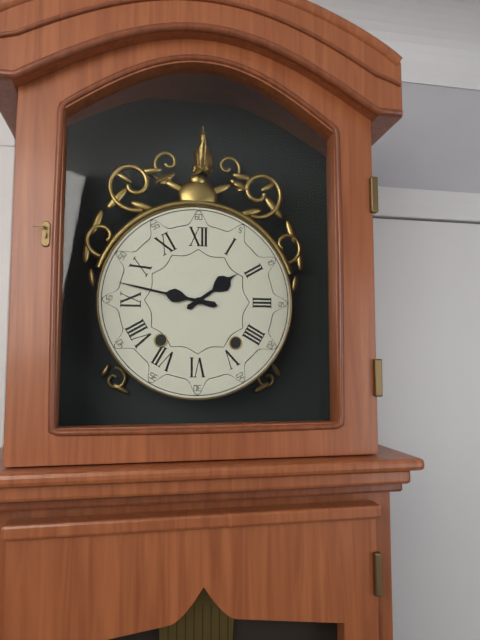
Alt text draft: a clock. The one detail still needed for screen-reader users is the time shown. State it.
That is 1:47
